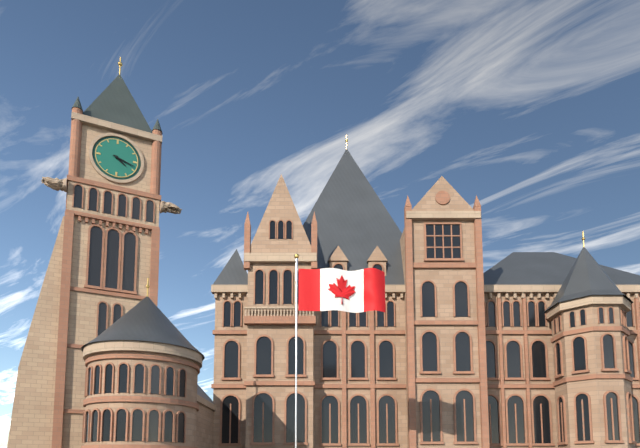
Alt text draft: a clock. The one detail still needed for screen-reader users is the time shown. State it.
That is 4:18
